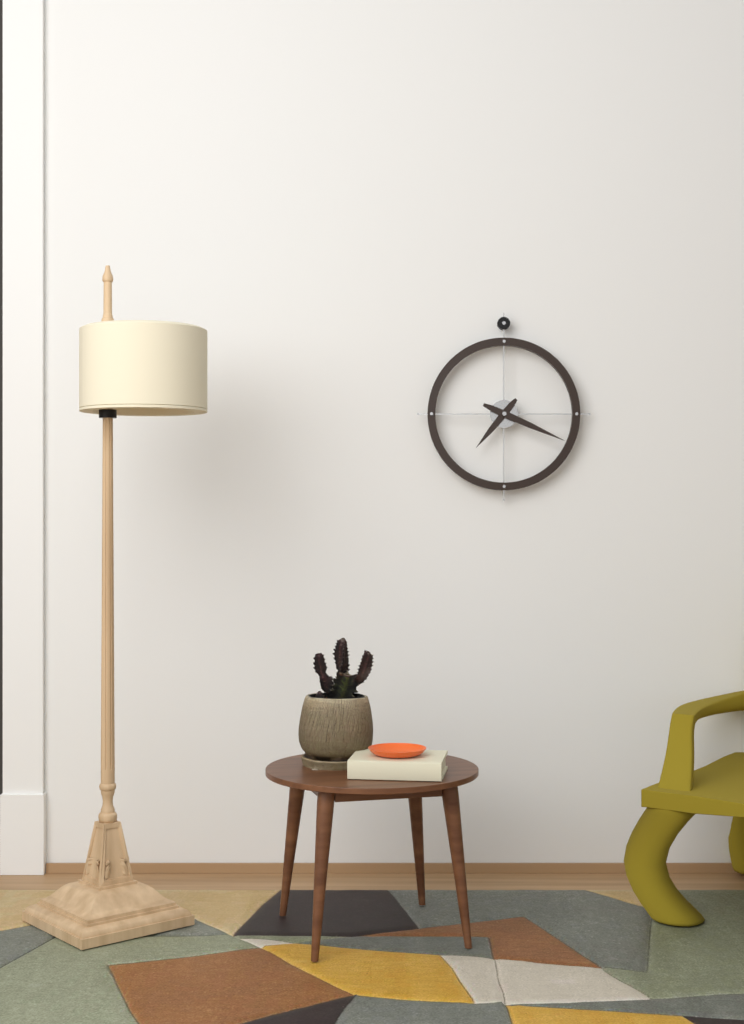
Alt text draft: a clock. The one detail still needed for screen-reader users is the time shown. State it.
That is 7:19
